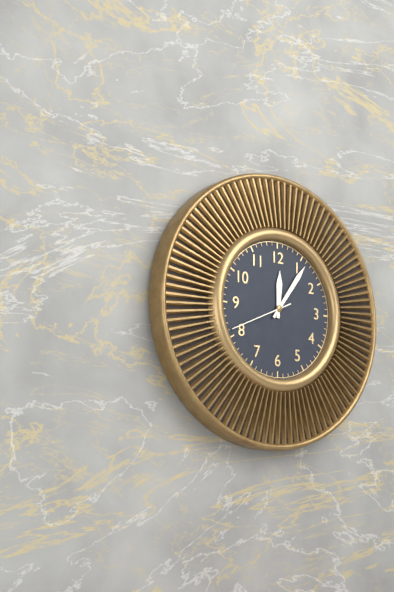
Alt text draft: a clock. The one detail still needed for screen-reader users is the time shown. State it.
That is 12:06:41
